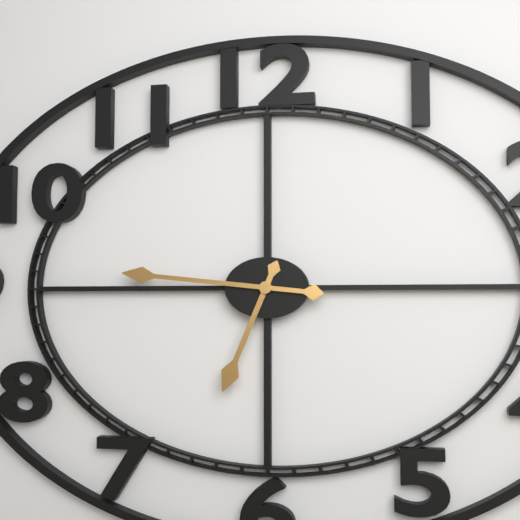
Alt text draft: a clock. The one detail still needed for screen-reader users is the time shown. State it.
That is 6:46
